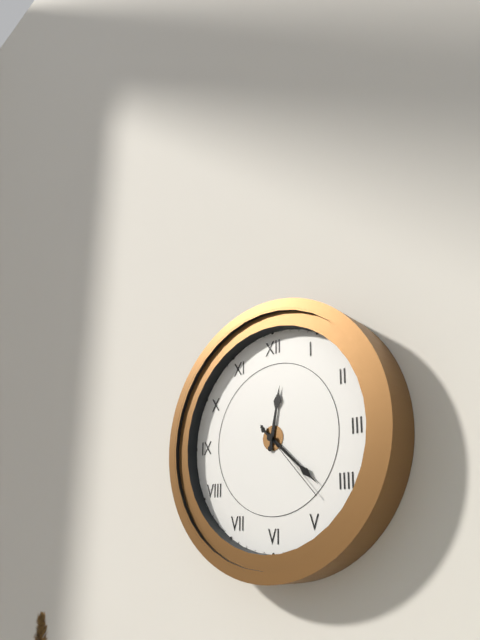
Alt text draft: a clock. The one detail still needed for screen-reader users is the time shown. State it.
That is 12:22:23
